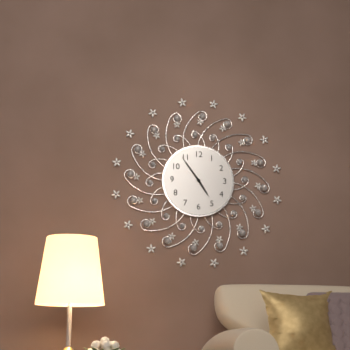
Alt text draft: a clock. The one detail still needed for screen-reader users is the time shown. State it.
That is 4:54
